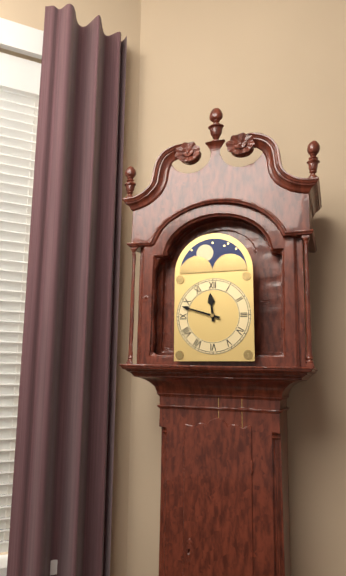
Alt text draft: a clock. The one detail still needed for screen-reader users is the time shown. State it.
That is 11:48
